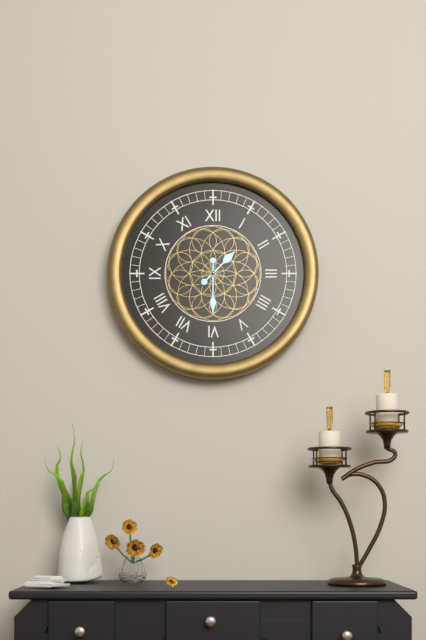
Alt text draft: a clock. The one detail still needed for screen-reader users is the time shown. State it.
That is 1:30
